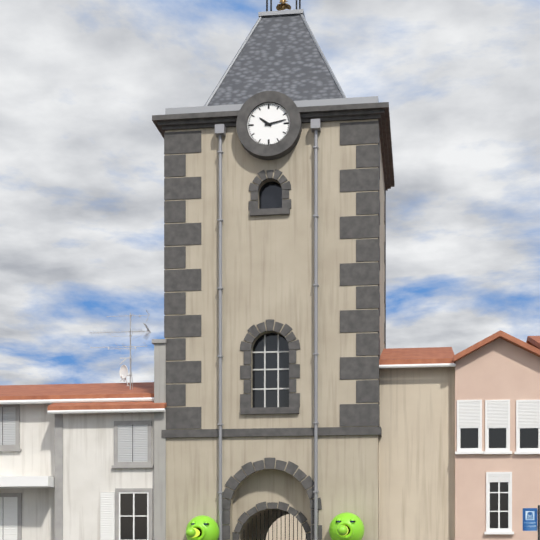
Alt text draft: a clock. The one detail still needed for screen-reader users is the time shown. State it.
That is 10:13
